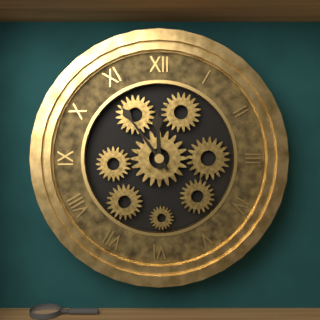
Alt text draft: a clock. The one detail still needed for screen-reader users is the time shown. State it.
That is 11:54
